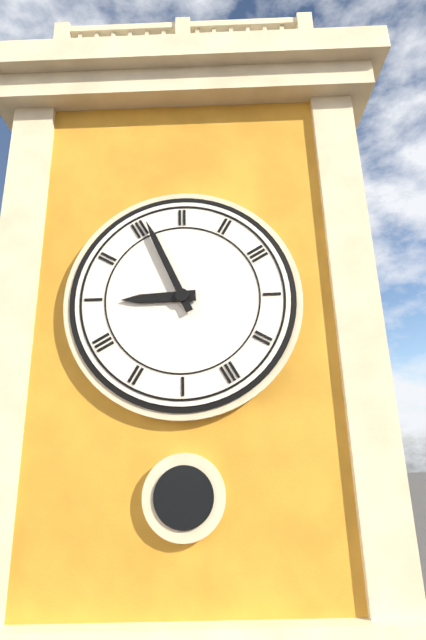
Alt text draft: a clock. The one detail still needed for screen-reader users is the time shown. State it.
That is 8:56
